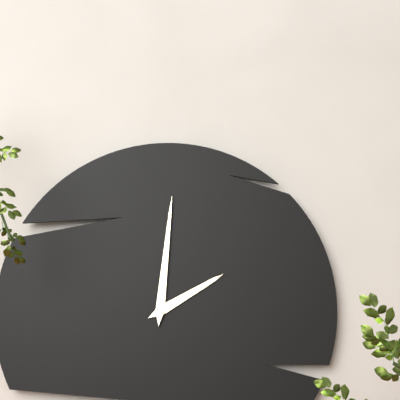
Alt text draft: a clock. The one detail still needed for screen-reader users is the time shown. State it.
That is 2:01
